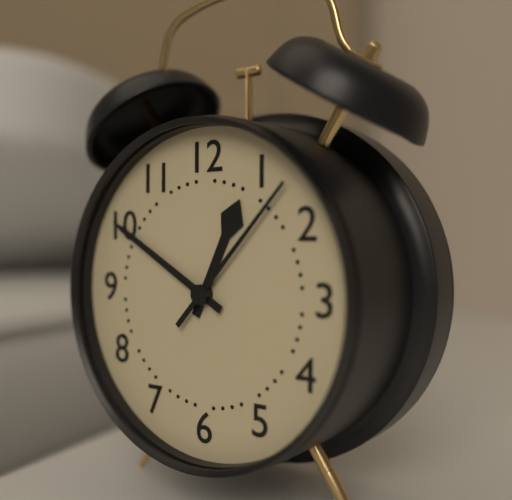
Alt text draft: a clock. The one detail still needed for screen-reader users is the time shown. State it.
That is 12:50:07
